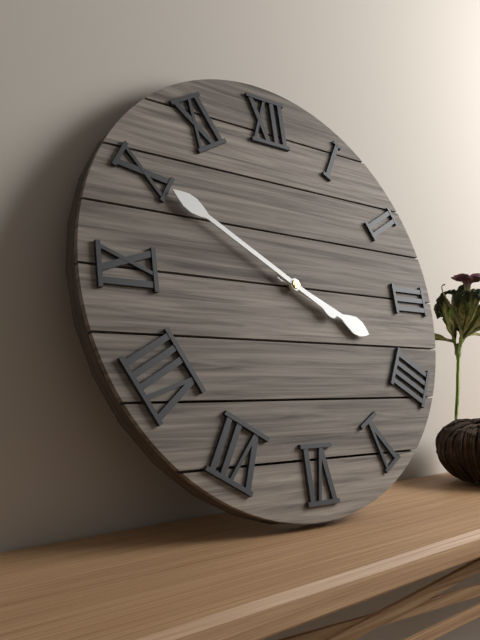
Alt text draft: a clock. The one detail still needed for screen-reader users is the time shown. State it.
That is 3:50
